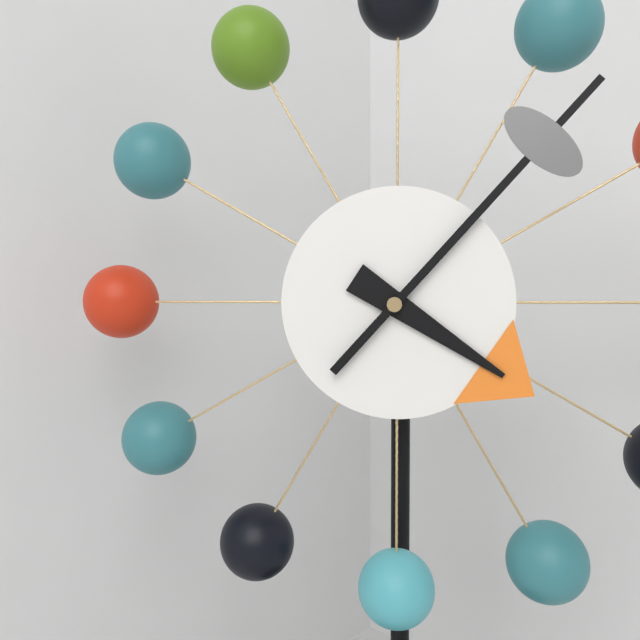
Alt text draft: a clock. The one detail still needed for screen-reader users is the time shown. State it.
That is 4:07
